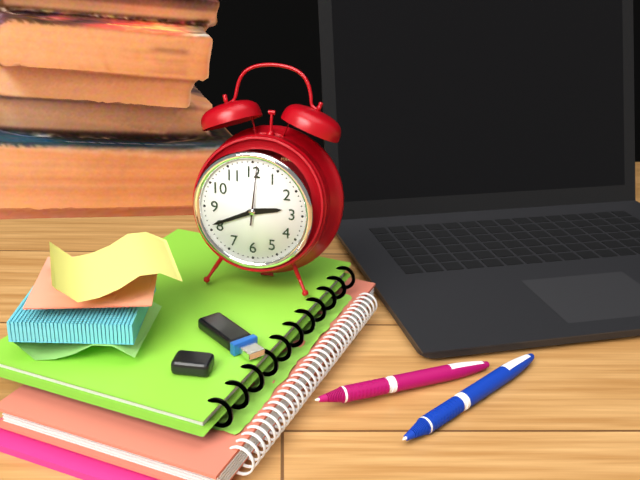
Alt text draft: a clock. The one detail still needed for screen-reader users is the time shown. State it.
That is 2:41:01
